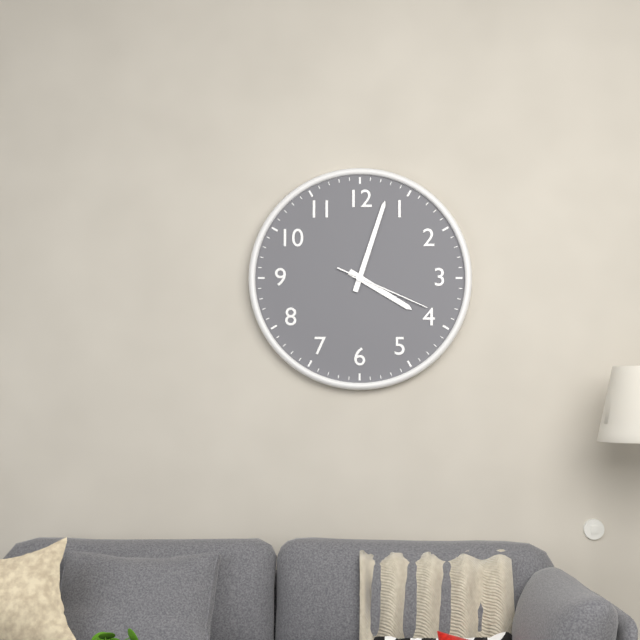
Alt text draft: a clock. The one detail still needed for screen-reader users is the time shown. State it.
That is 4:03:19
